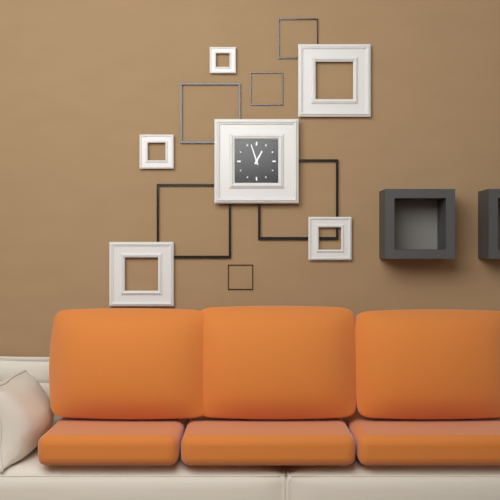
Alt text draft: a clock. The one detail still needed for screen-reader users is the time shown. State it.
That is 12:57
